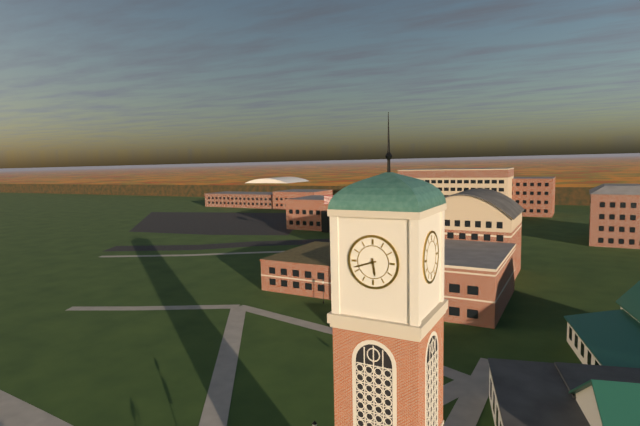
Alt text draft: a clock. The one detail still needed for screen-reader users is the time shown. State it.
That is 5:42
